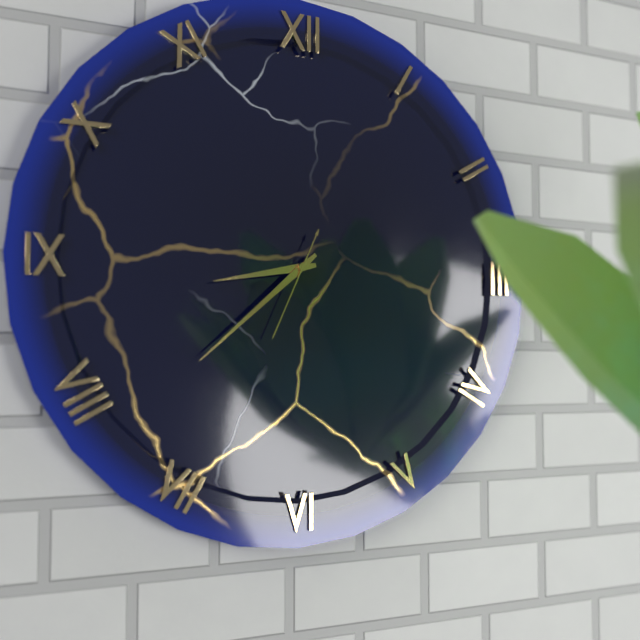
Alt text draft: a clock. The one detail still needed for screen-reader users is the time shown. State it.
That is 8:38:34
